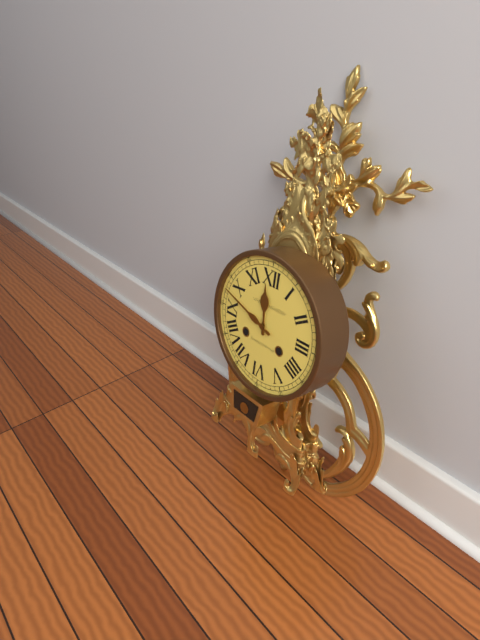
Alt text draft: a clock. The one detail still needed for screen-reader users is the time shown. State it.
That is 11:48
